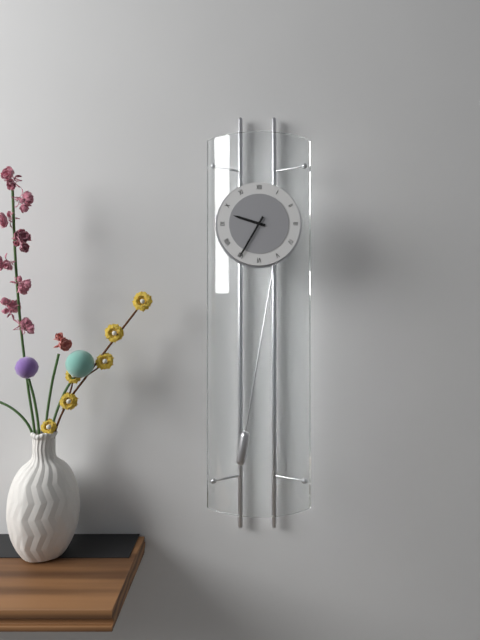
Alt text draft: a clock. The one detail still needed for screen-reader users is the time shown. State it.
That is 9:35
